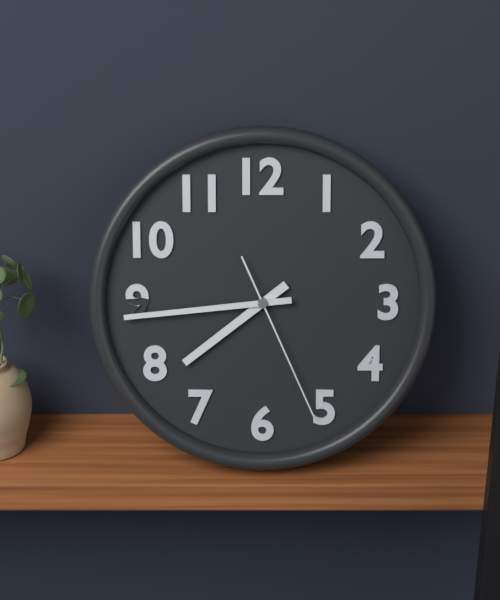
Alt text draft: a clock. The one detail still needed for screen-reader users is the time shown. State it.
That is 7:44:26
